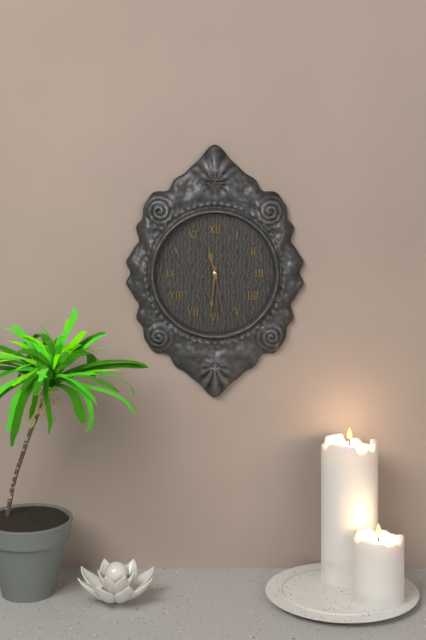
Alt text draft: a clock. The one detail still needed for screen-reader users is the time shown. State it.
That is 11:31:28
